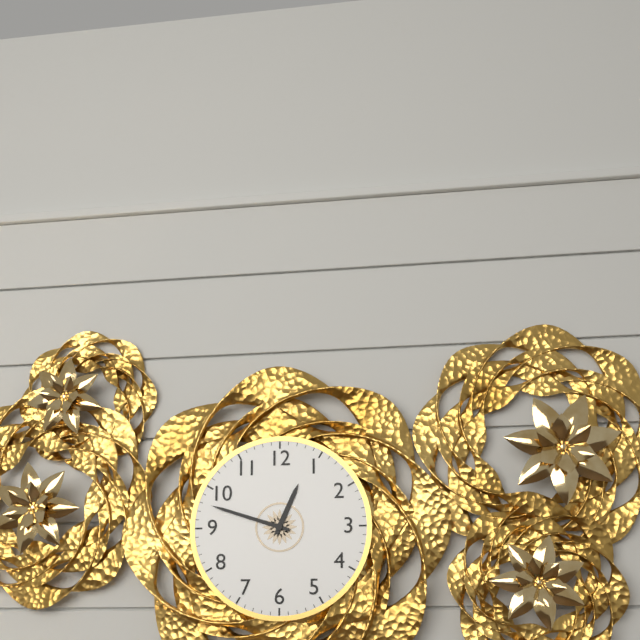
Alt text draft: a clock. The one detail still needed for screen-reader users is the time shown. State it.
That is 12:48
